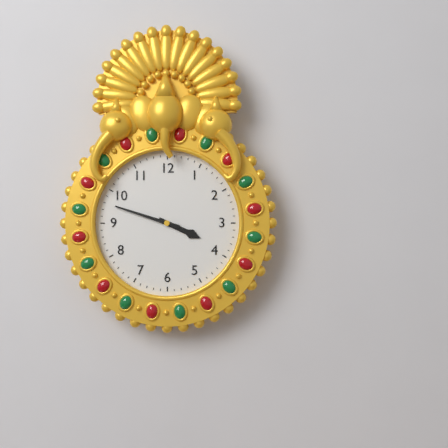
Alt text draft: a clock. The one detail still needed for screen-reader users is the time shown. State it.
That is 3:48
